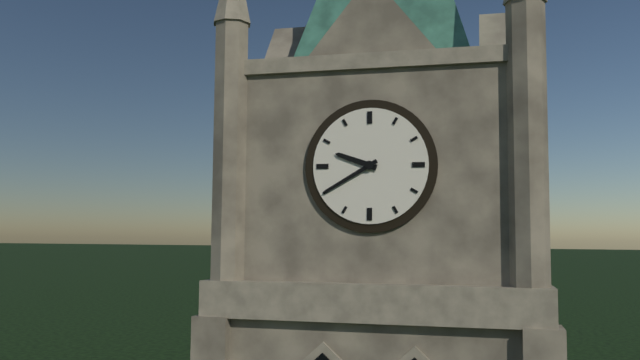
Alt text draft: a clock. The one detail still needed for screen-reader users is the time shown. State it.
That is 9:40
